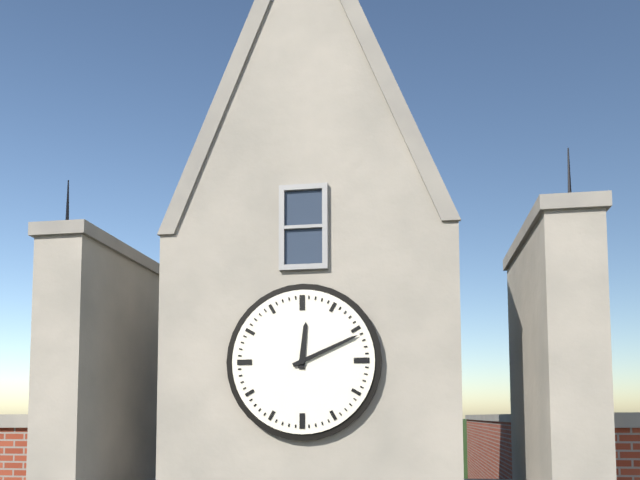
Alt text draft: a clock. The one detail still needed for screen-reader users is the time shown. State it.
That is 12:11
